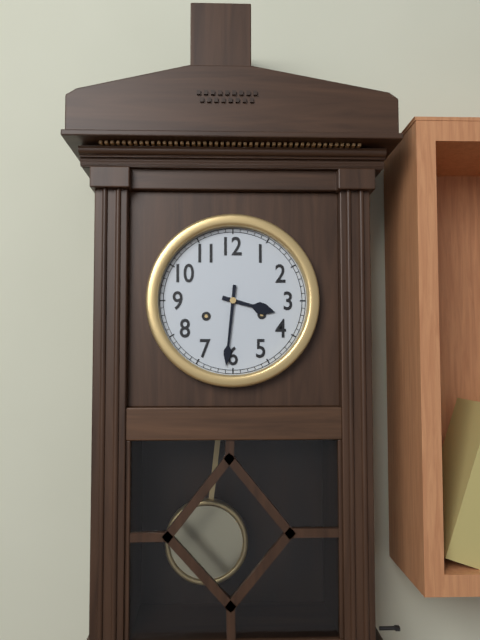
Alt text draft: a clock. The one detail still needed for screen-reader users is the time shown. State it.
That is 3:31
